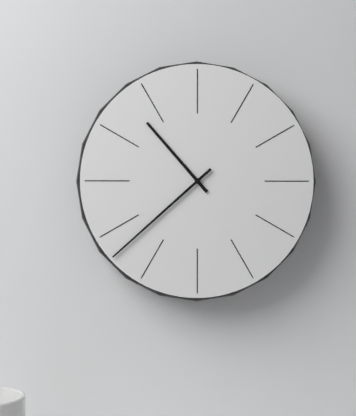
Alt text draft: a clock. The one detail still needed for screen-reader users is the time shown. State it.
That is 10:38
